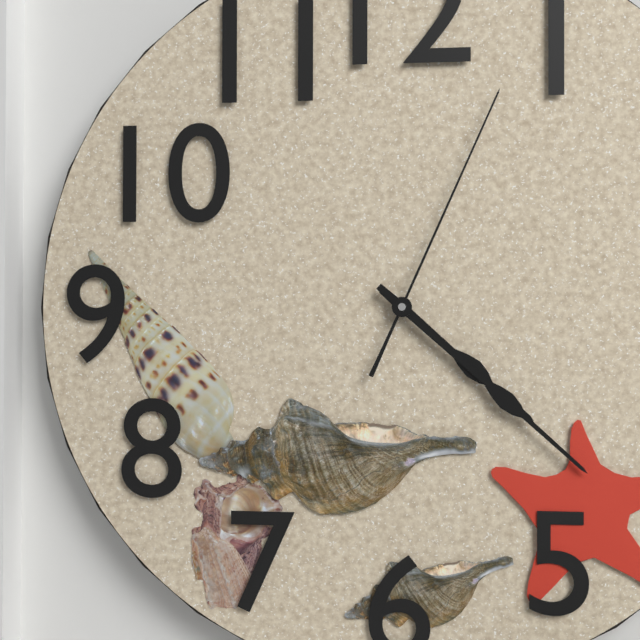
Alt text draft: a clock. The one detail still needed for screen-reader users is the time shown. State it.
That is 4:22:04
